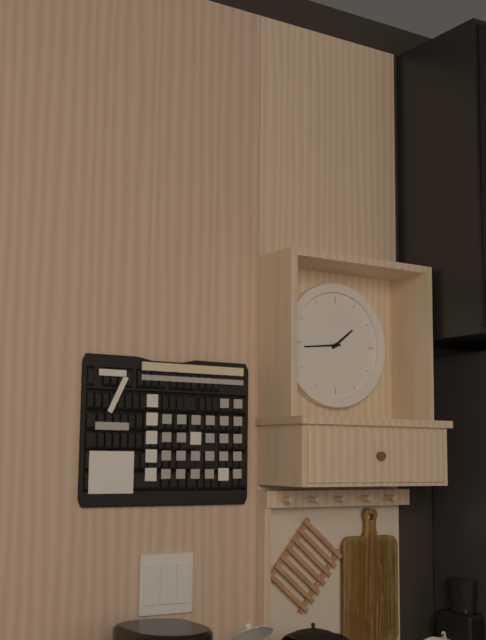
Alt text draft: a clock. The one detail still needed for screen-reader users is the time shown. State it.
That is 1:44
